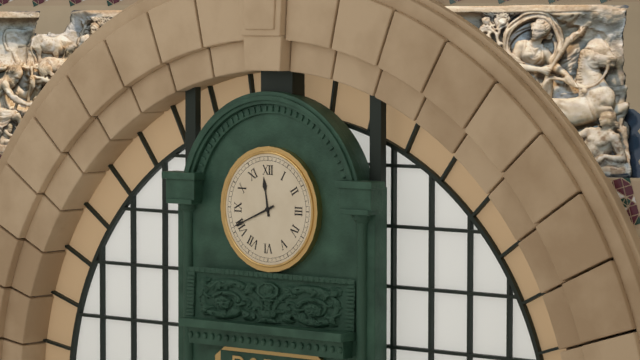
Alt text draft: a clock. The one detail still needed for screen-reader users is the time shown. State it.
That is 11:41
